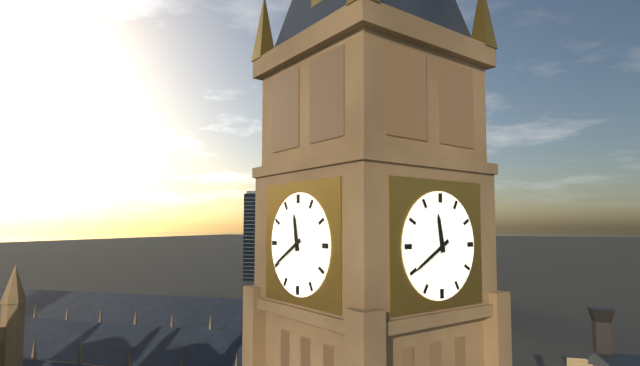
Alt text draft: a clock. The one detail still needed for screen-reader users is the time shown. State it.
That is 11:40
